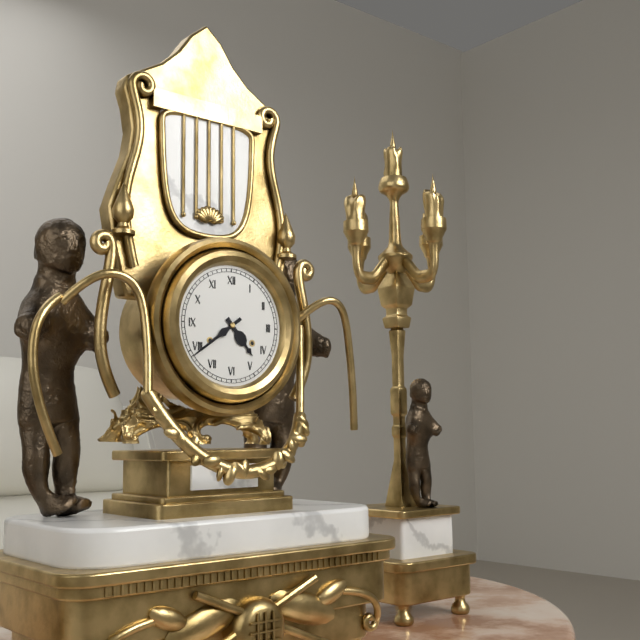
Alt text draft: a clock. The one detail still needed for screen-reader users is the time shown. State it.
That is 4:39
